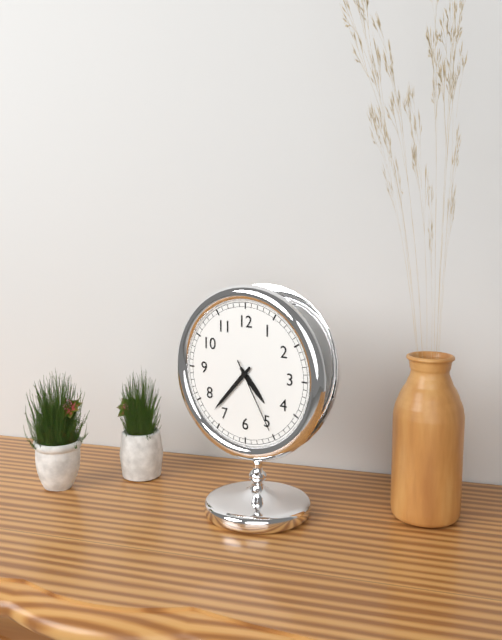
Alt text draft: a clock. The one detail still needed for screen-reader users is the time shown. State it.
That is 4:37:25
